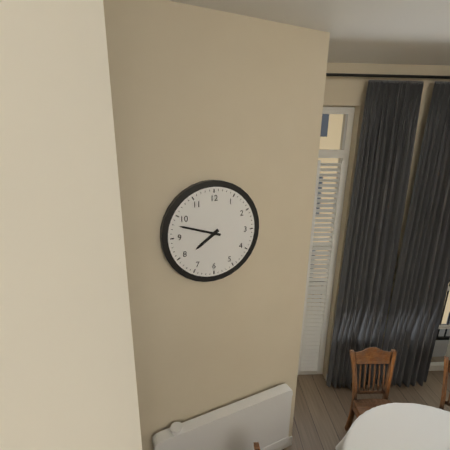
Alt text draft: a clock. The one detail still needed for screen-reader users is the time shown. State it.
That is 7:48
